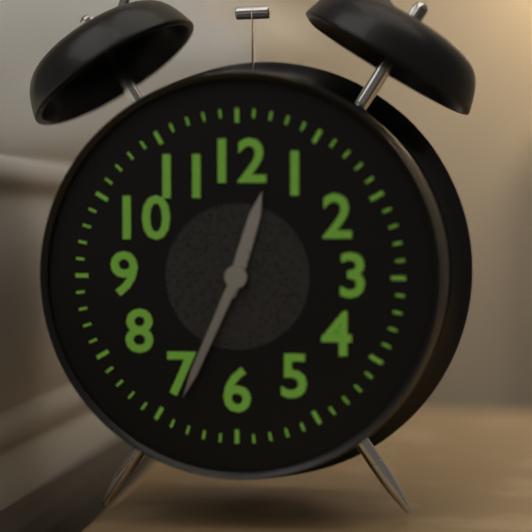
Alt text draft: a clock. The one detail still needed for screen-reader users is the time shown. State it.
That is 12:34
